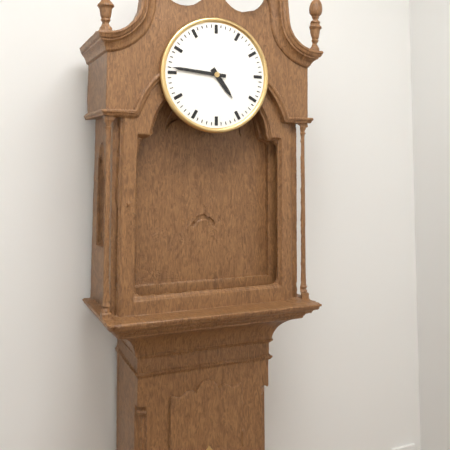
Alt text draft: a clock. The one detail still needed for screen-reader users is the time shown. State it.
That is 4:46
